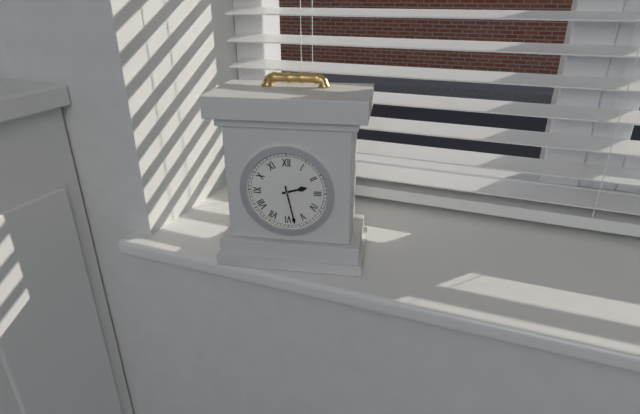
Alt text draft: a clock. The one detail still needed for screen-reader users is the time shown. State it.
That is 2:28
